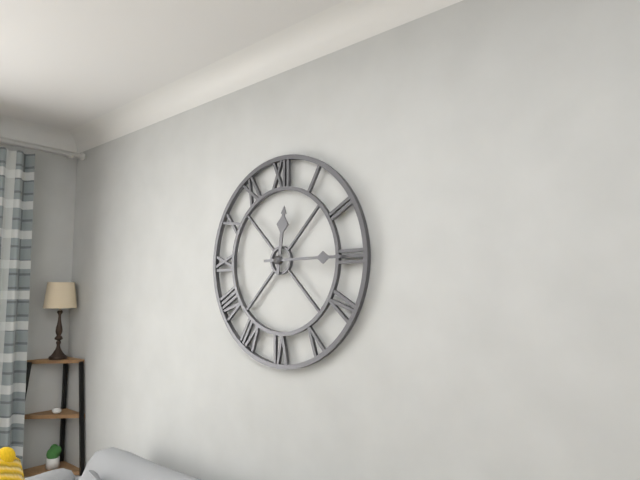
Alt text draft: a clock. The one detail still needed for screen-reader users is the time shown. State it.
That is 12:15
